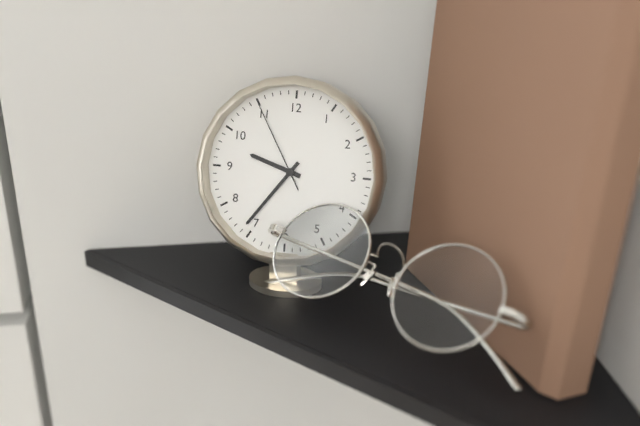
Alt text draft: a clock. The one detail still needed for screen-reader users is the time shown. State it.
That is 9:36:55
